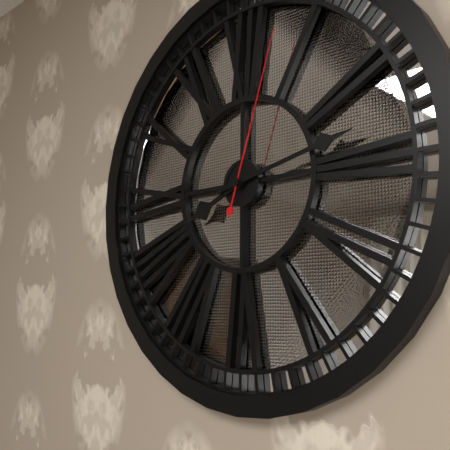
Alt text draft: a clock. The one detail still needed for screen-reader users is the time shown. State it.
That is 8:13:03
